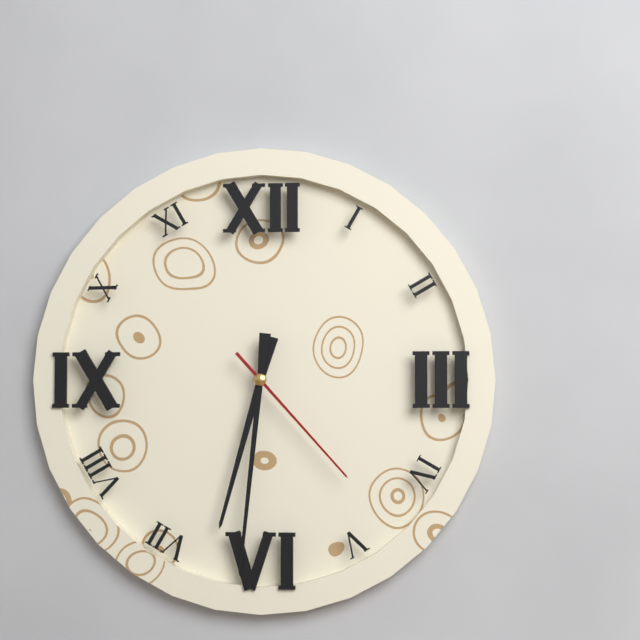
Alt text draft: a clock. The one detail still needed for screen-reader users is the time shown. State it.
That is 6:31:23
